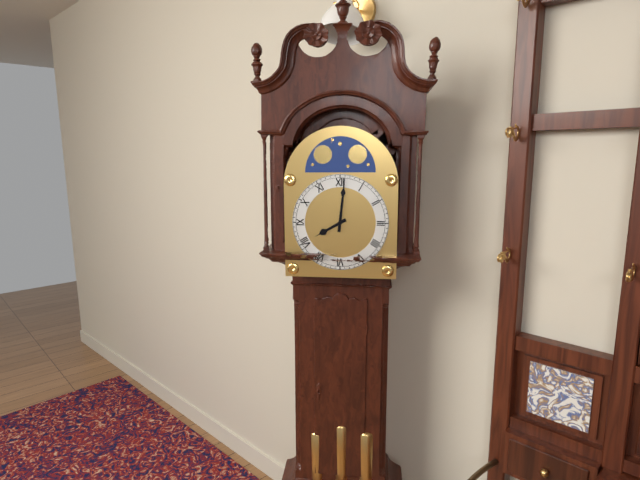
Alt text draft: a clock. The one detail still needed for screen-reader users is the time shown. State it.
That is 8:01
